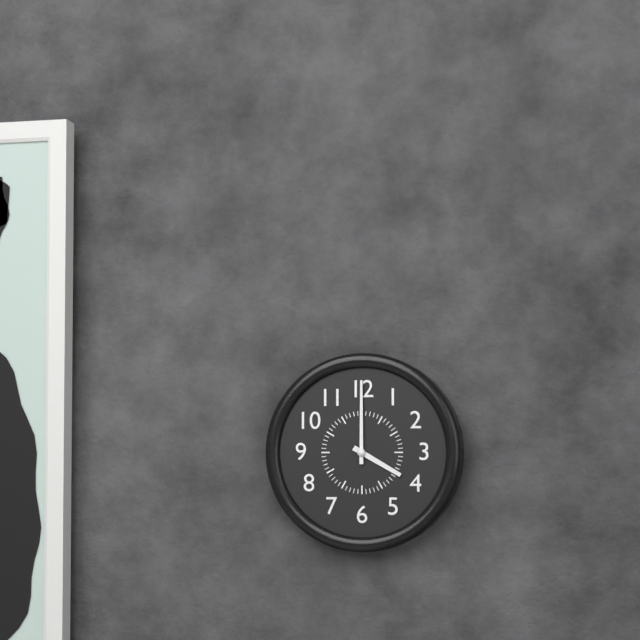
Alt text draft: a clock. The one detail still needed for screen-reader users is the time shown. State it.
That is 4:00
